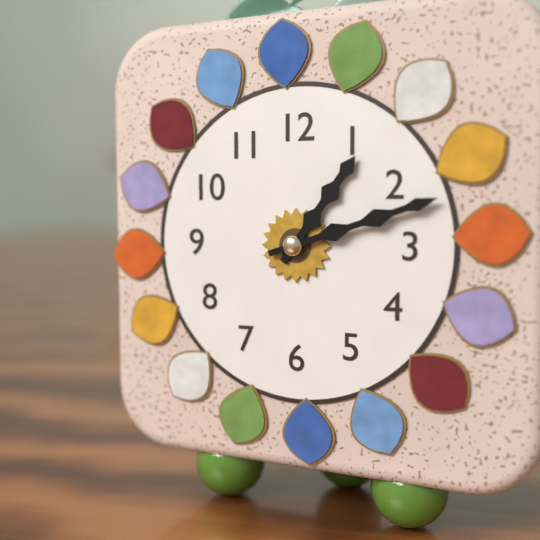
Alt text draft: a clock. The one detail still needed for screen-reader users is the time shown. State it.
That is 1:12
